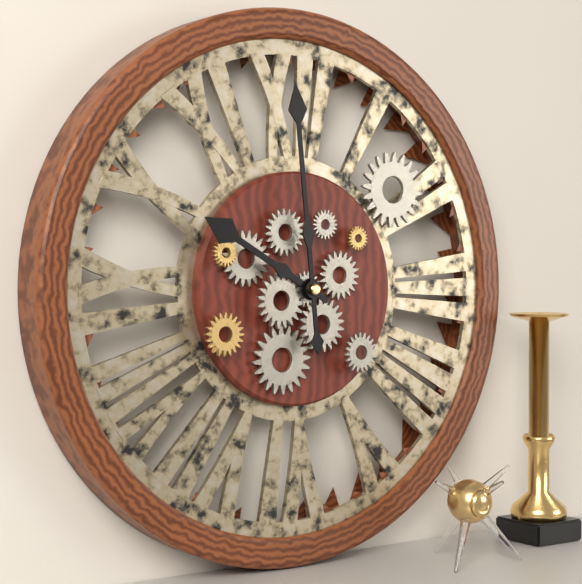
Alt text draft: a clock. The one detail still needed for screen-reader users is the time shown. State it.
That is 9:59
